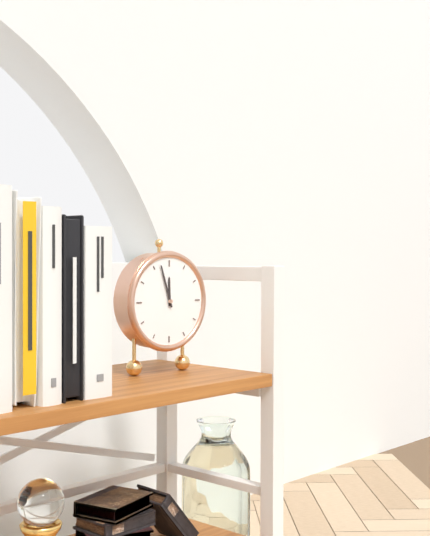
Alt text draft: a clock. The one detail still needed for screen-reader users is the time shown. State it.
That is 11:57
